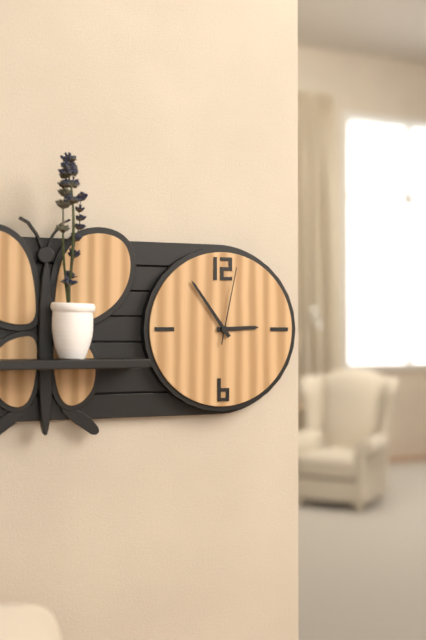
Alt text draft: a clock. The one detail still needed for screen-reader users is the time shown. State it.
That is 2:54:02
